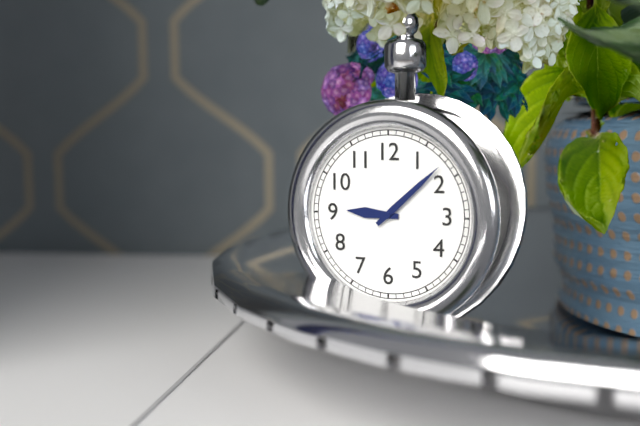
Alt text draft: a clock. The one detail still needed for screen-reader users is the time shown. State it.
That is 9:08
